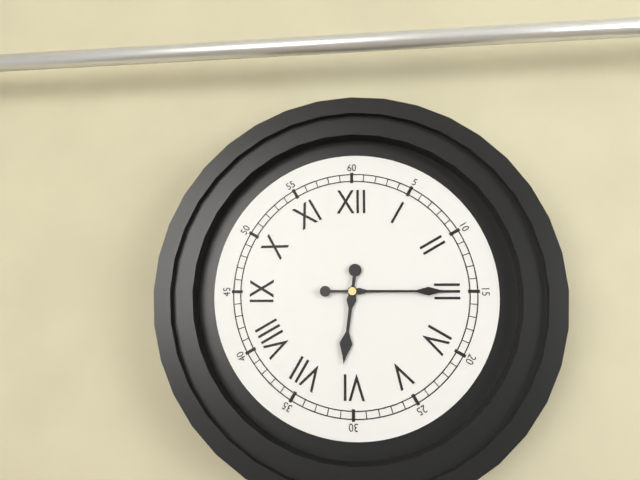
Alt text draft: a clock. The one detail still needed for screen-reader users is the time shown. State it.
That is 6:15
